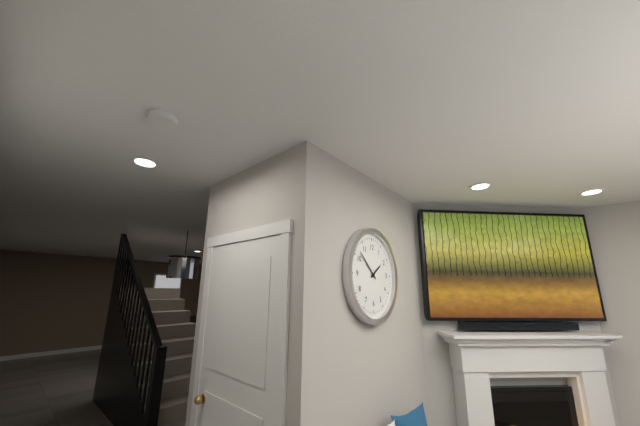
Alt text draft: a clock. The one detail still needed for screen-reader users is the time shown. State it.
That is 1:52
